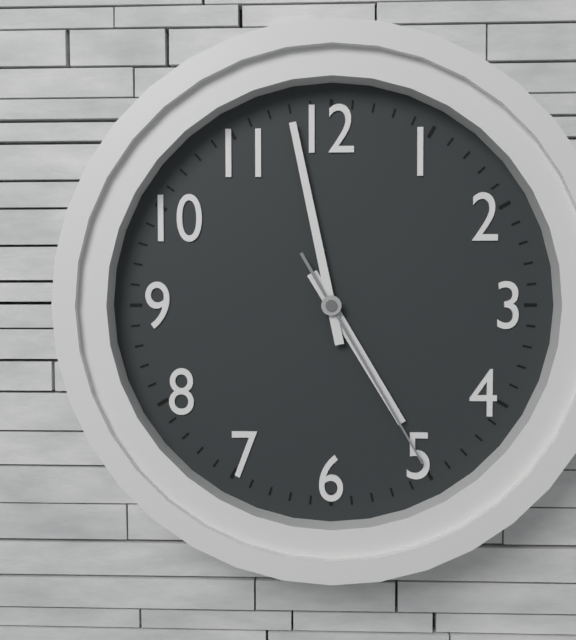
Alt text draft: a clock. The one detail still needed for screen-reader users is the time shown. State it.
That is 4:58:25
